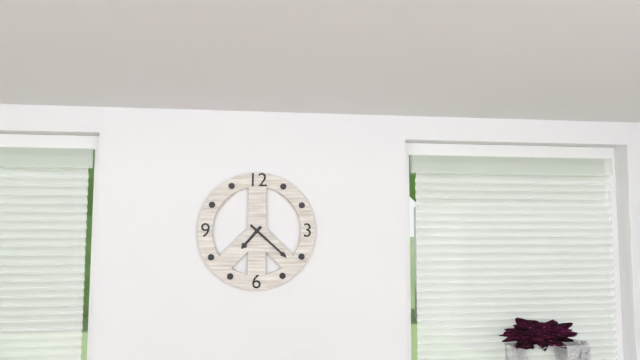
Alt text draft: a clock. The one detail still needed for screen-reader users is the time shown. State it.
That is 7:22
